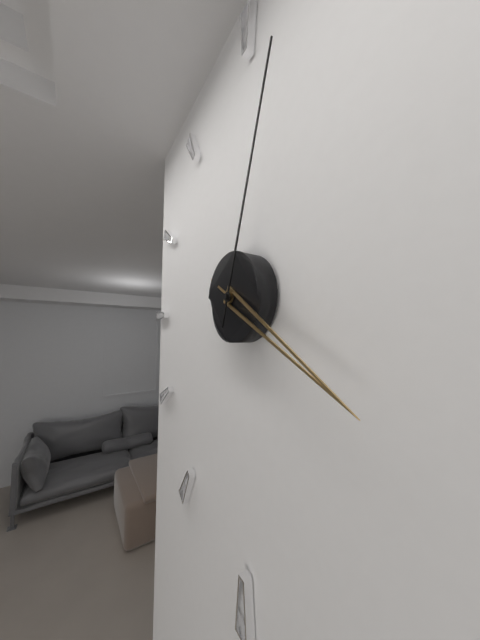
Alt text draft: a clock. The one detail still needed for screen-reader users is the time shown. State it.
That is 4:03
